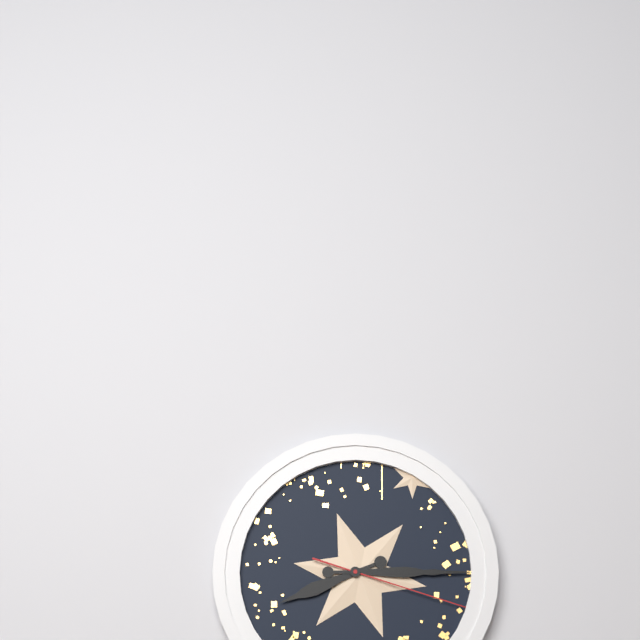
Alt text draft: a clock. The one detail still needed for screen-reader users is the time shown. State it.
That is 8:15:18
